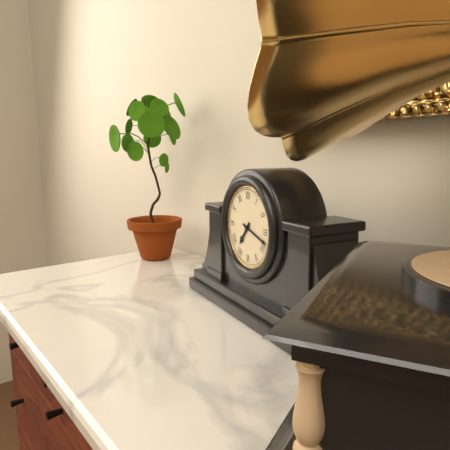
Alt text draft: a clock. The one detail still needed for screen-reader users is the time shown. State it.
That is 7:18
